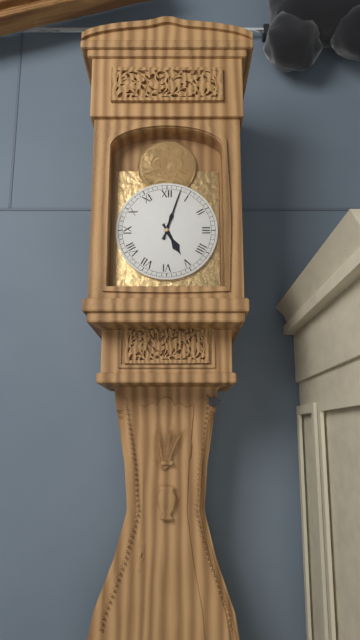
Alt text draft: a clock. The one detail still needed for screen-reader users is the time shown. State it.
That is 5:03
